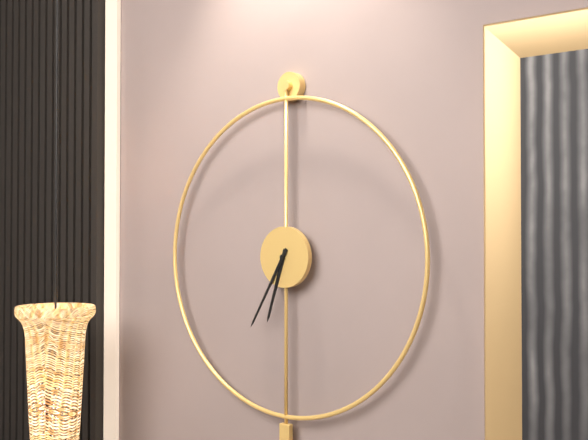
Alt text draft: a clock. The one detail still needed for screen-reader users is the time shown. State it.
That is 6:35
